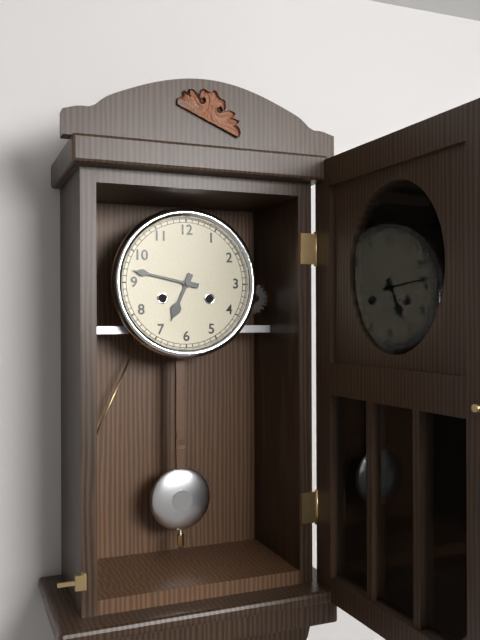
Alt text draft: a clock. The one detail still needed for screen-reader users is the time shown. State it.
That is 6:47
